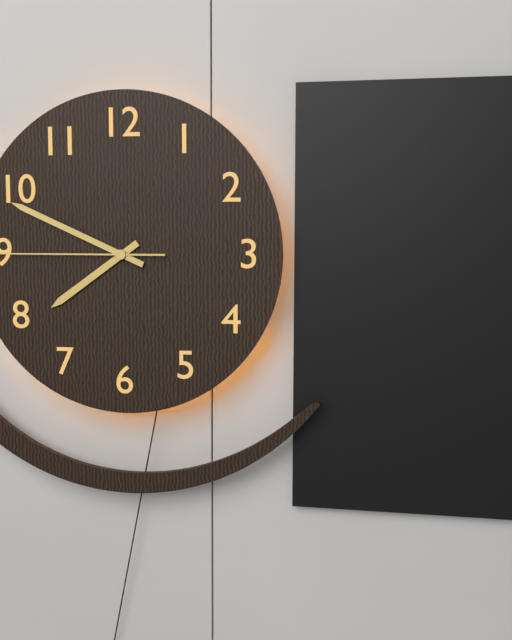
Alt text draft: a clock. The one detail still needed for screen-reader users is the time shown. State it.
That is 7:49
